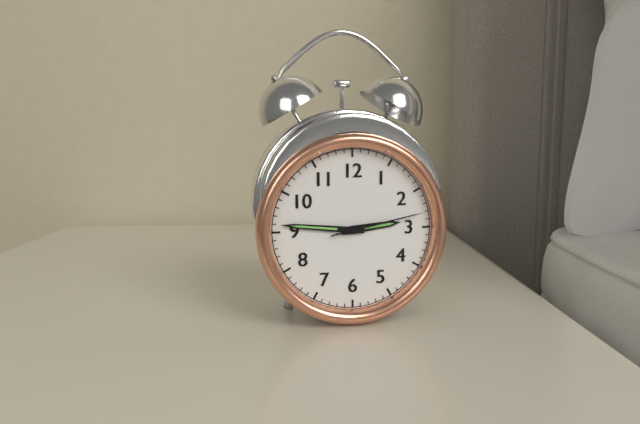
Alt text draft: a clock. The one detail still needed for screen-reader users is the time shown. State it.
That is 2:46:13
